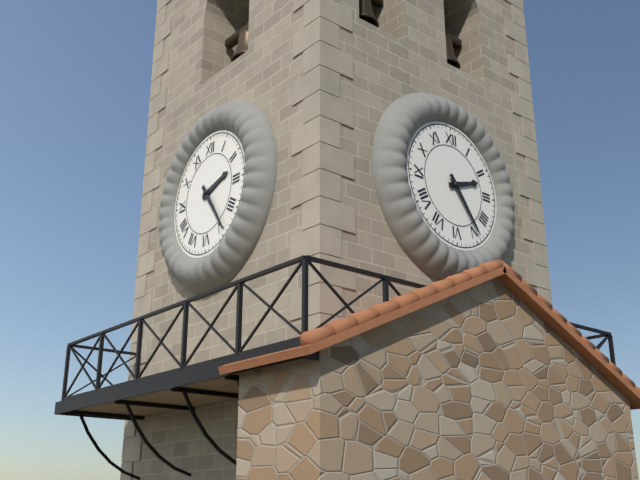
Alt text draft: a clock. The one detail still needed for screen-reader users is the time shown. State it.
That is 2:24
